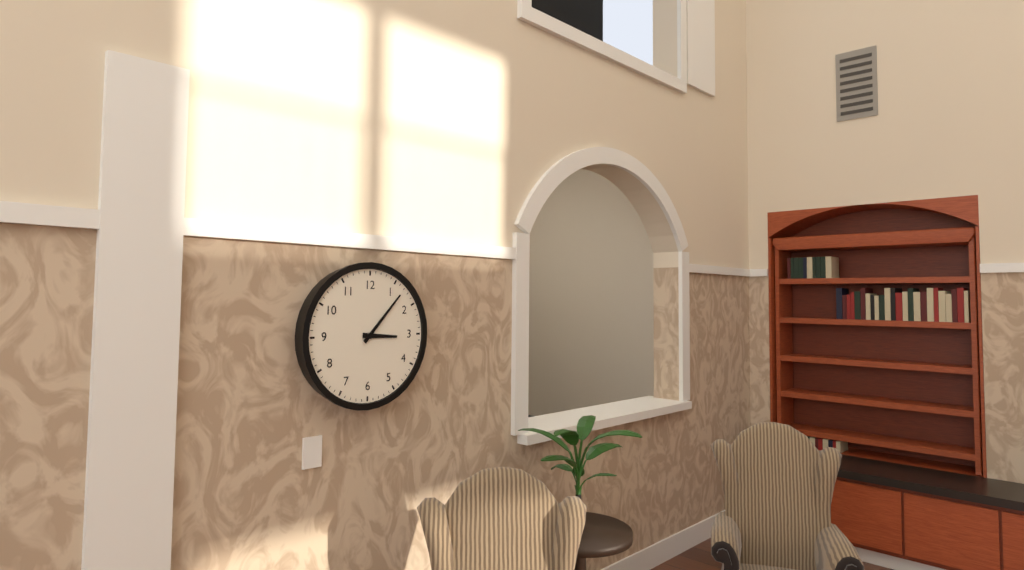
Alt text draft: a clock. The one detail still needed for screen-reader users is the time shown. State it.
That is 3:07
